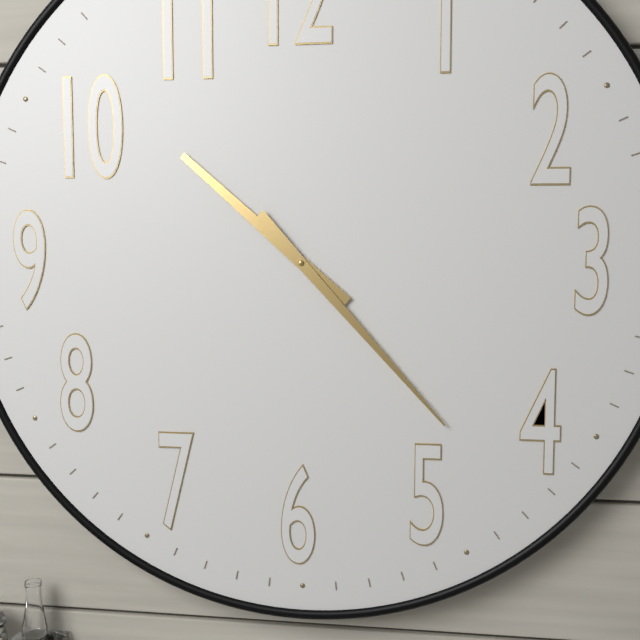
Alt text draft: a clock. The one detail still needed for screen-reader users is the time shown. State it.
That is 10:23
